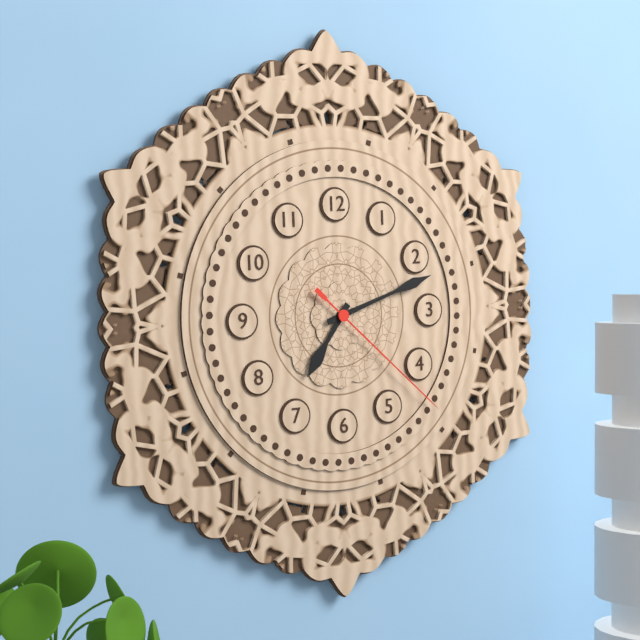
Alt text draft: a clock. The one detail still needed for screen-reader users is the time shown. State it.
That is 7:12:22
